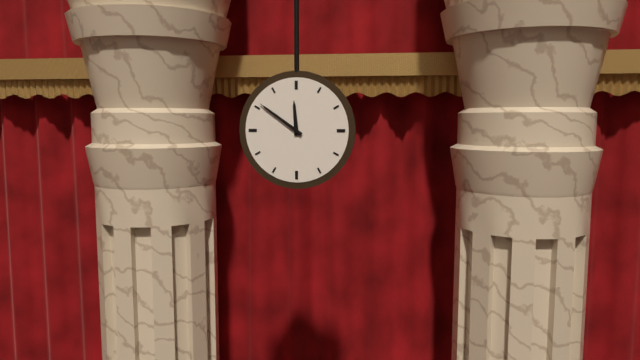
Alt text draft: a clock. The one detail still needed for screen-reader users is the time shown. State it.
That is 11:51
